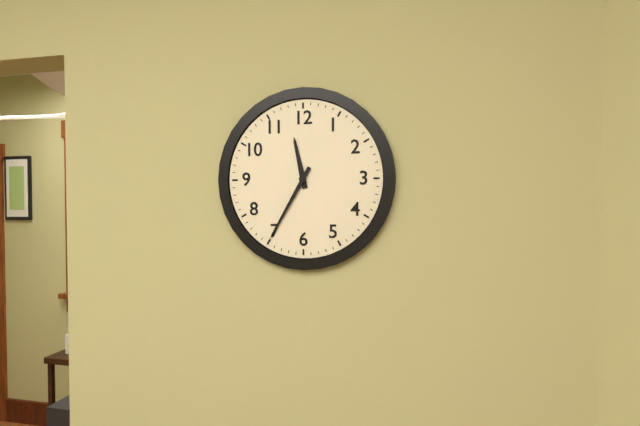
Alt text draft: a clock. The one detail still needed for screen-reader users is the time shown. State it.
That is 11:35
